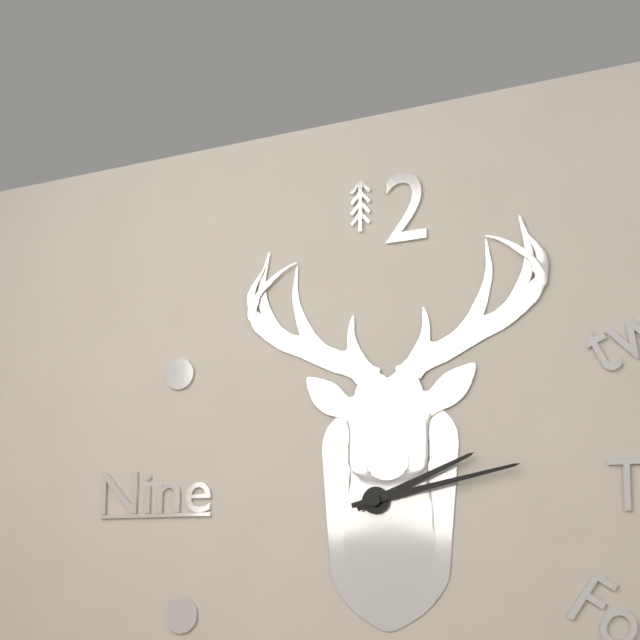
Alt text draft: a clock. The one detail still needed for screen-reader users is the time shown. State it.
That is 2:13
